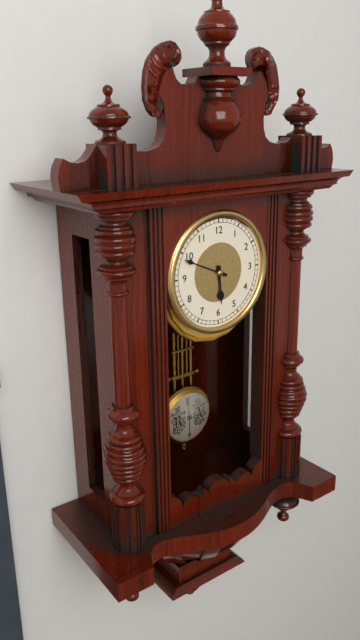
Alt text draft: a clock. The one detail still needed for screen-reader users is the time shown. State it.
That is 5:49
